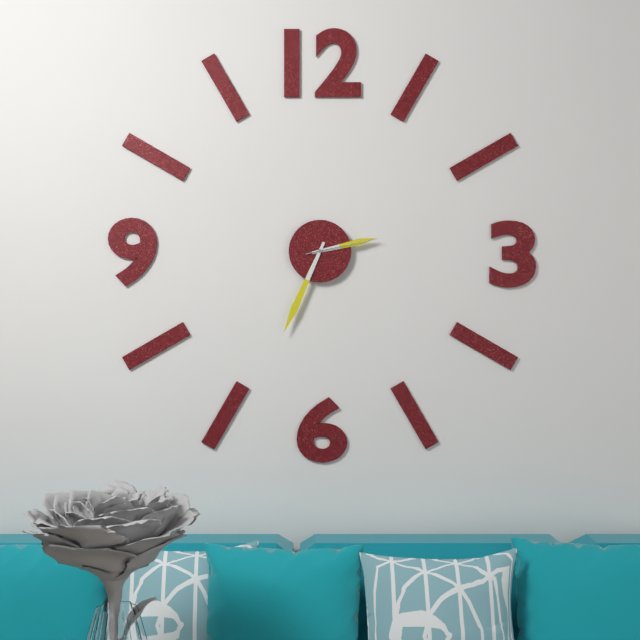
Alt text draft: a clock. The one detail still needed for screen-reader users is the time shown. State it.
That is 2:34:13
